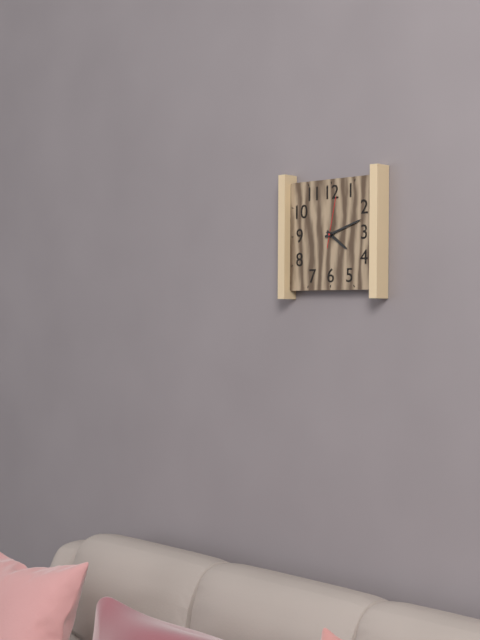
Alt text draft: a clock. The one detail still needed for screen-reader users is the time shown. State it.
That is 4:12
